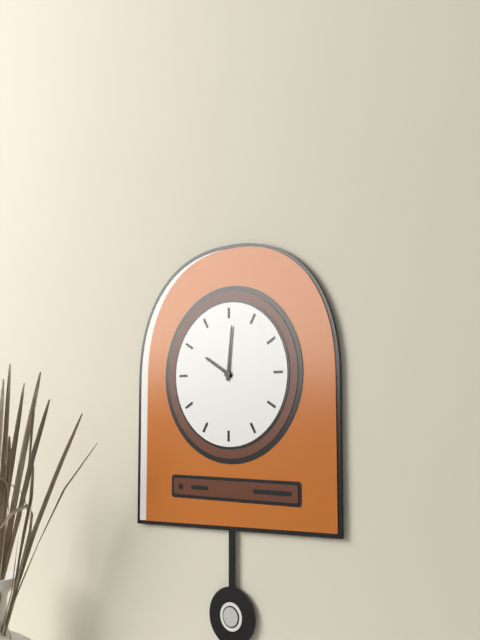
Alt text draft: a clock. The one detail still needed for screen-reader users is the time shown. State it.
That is 10:01
